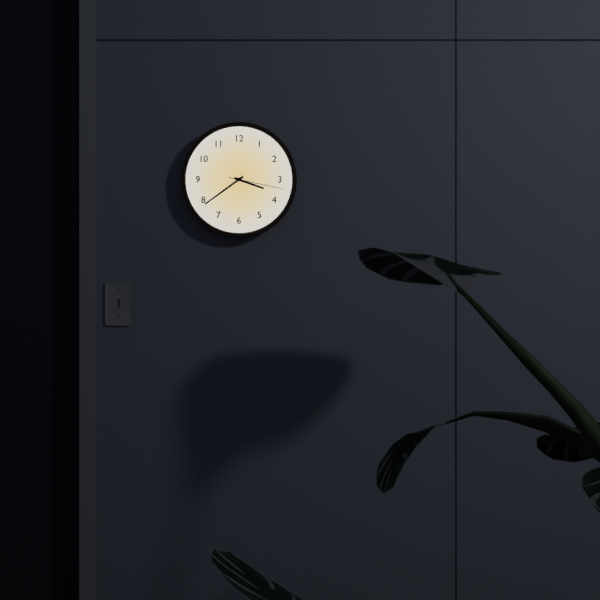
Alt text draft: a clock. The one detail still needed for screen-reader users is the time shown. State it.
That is 3:39:17
